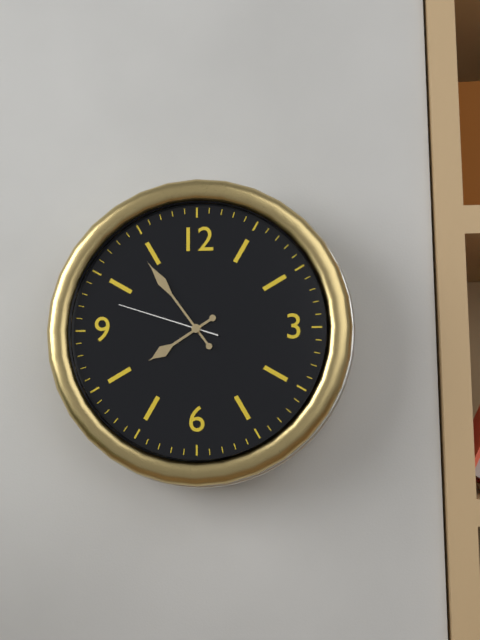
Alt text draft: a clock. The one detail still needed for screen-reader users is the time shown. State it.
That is 7:54:48
